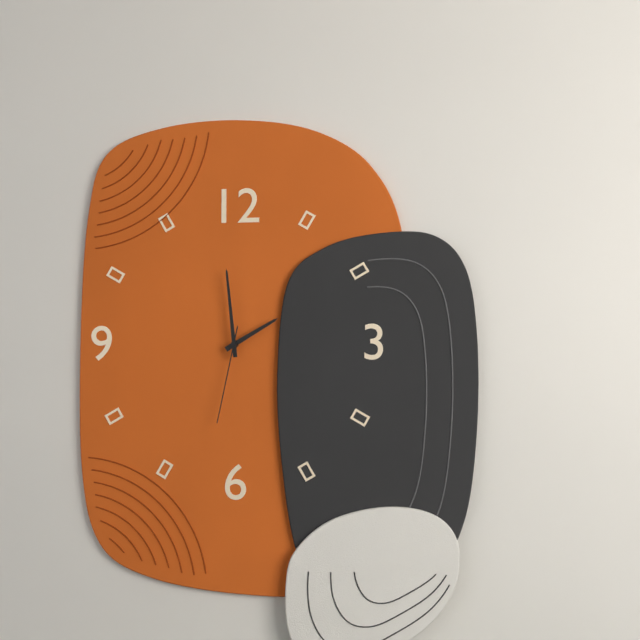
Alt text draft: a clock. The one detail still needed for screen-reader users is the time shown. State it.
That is 1:59:32
